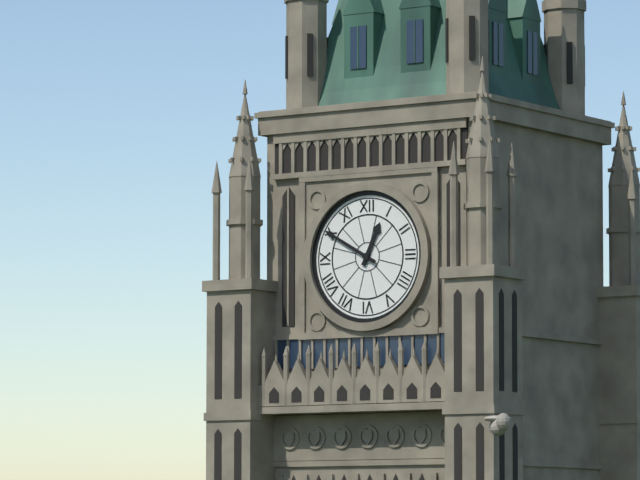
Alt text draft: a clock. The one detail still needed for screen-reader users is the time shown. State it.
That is 12:50
